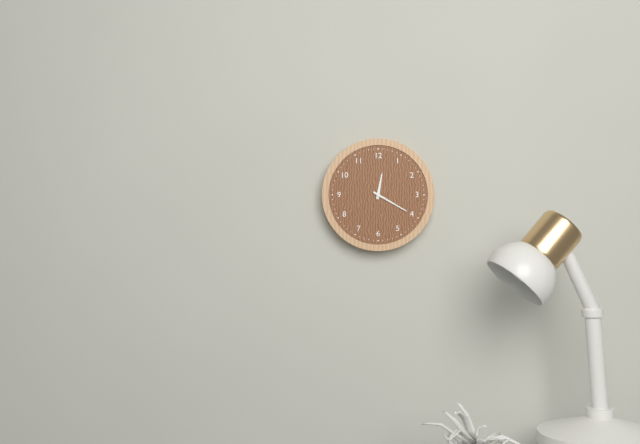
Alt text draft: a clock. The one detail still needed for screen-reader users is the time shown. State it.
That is 12:20
